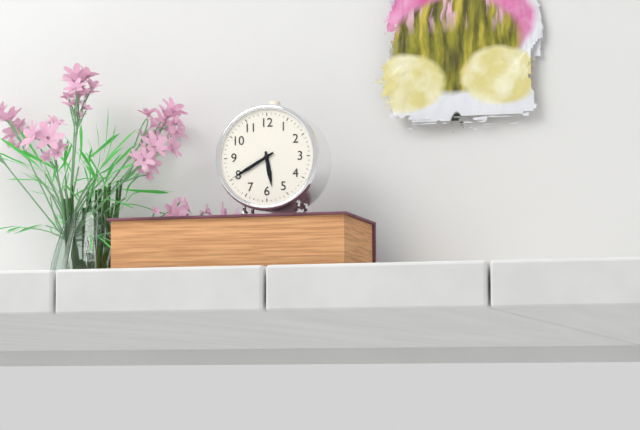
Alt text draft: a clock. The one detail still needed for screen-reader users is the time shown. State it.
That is 5:40
